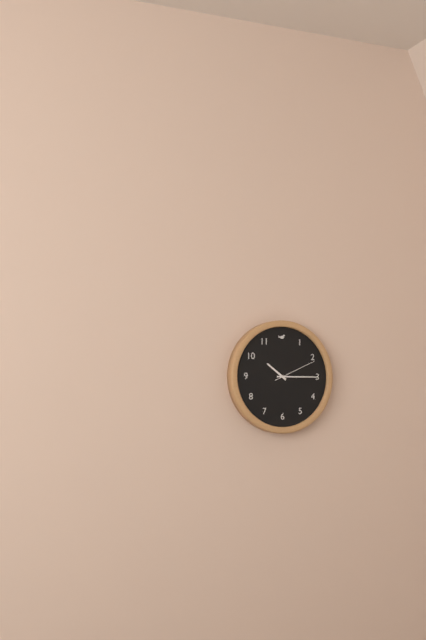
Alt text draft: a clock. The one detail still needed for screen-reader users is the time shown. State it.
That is 10:15:11
